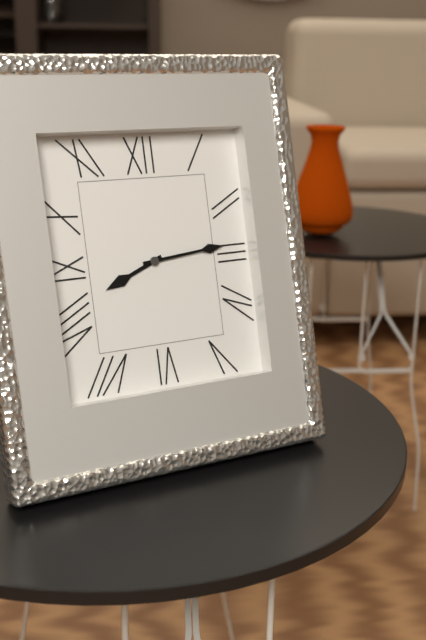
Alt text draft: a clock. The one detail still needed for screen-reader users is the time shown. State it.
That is 8:14
